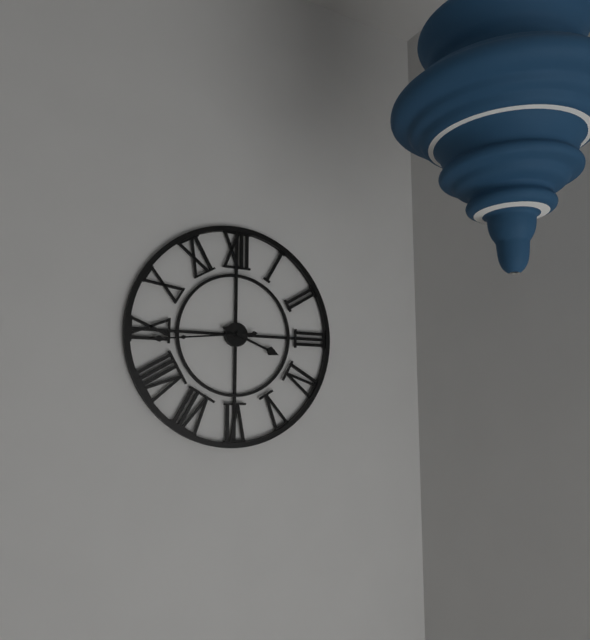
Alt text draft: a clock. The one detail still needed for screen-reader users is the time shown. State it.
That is 3:44
